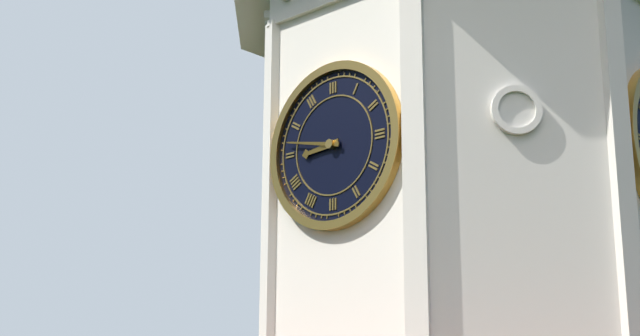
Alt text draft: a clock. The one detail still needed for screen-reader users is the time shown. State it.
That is 8:47
